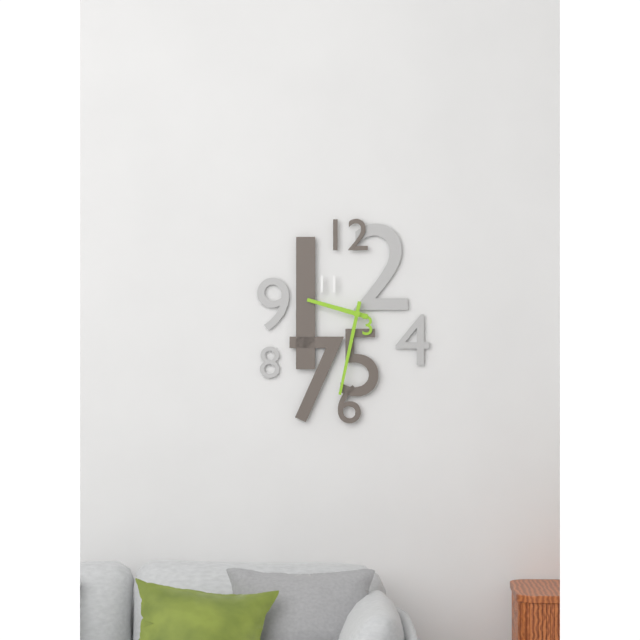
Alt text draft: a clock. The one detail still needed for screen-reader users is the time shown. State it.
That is 9:32
